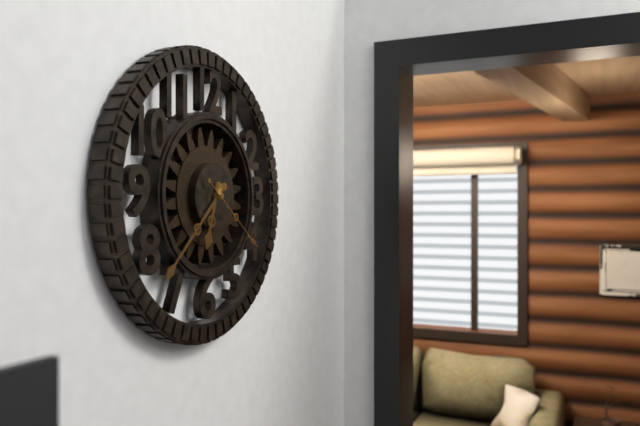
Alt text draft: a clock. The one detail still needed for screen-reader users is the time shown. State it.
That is 6:38:21
